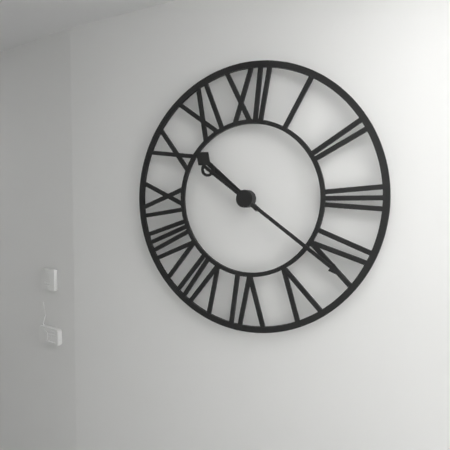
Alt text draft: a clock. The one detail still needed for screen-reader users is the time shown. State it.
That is 10:21
